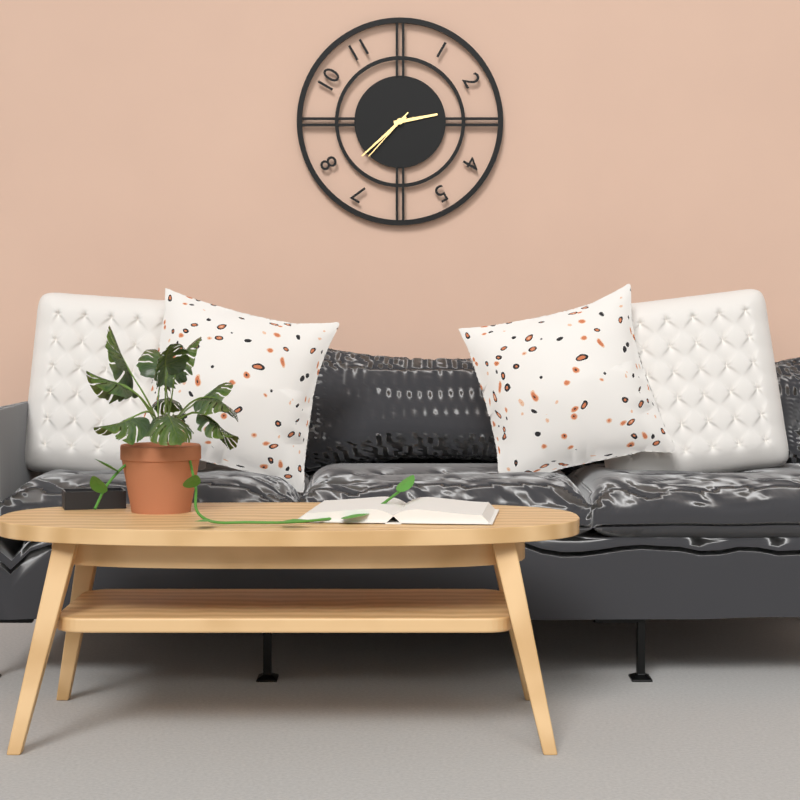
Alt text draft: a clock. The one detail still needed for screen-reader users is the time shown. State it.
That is 2:38:37
